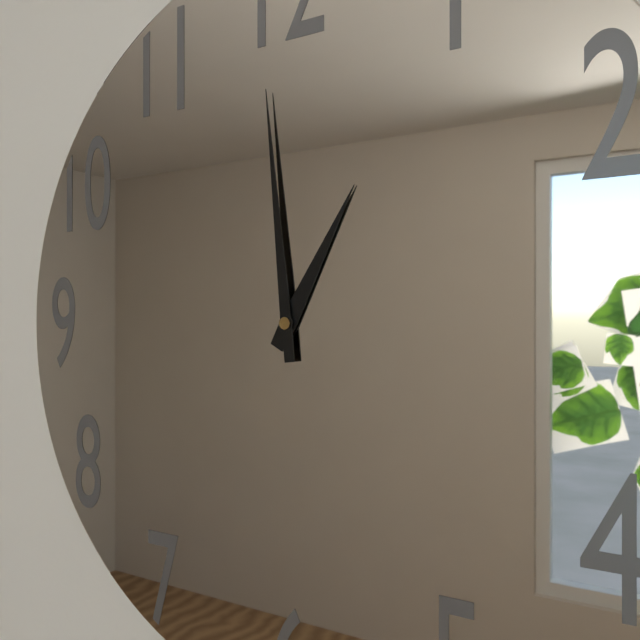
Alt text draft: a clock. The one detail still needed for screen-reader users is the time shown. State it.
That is 12:59
